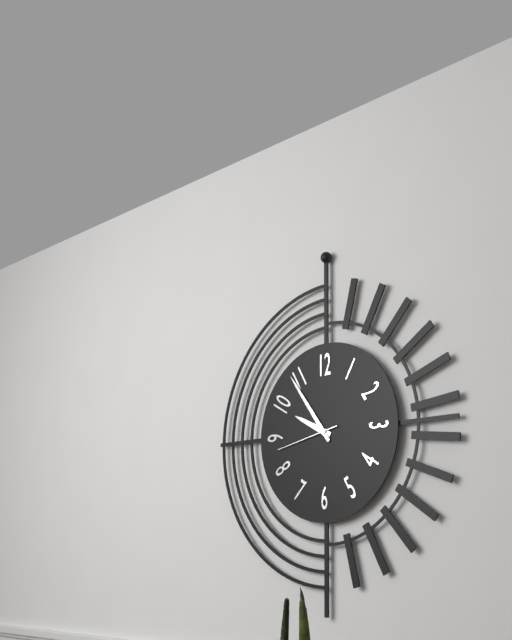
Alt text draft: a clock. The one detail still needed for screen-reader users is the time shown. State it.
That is 9:54:43
